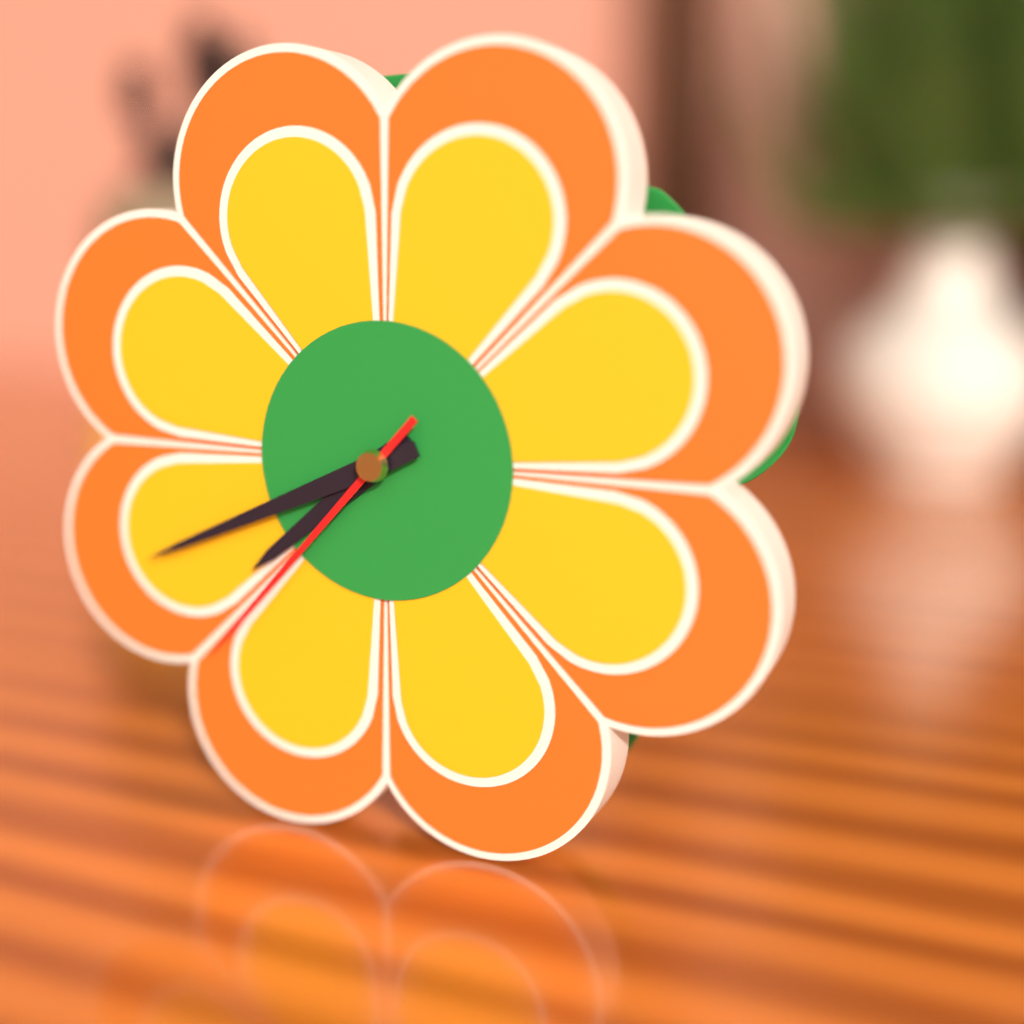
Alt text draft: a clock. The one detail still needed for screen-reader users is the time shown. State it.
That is 7:41:37
